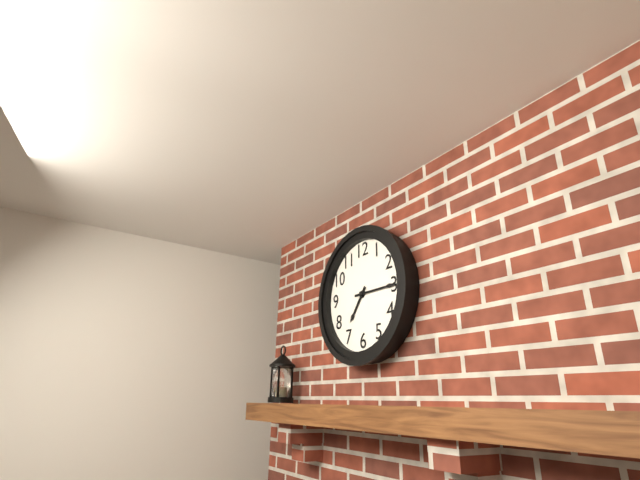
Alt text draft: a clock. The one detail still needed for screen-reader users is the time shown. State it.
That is 7:15
